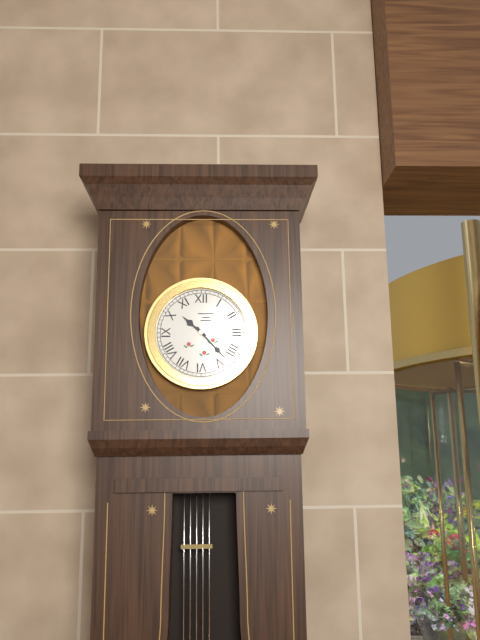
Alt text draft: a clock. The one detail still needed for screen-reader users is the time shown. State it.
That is 10:23
